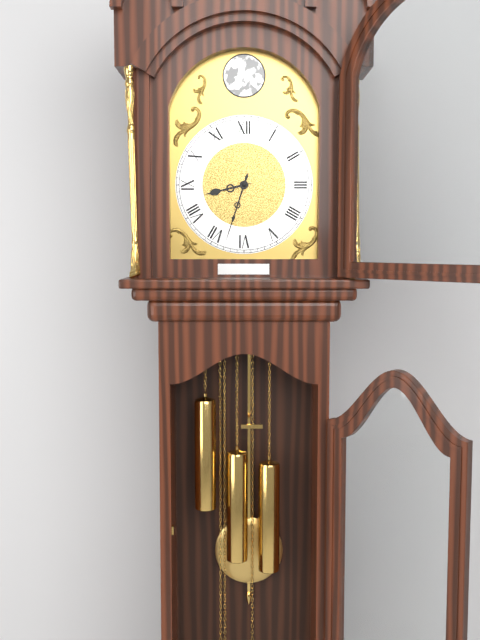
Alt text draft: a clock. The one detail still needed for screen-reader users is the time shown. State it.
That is 8:33
